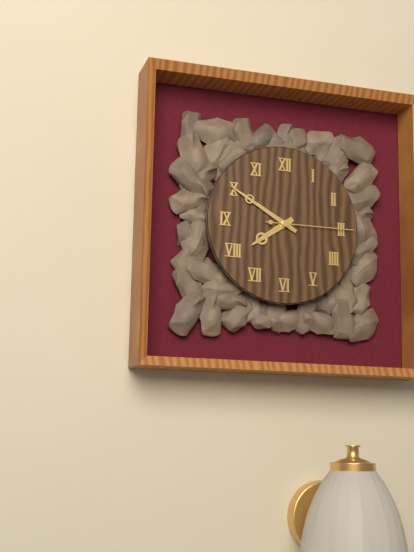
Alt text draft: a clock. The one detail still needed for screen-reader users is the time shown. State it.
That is 7:50:15
